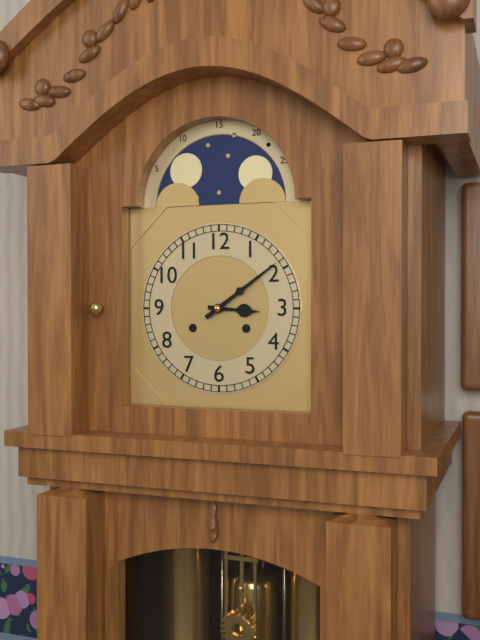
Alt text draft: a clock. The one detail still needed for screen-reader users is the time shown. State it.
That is 3:09
